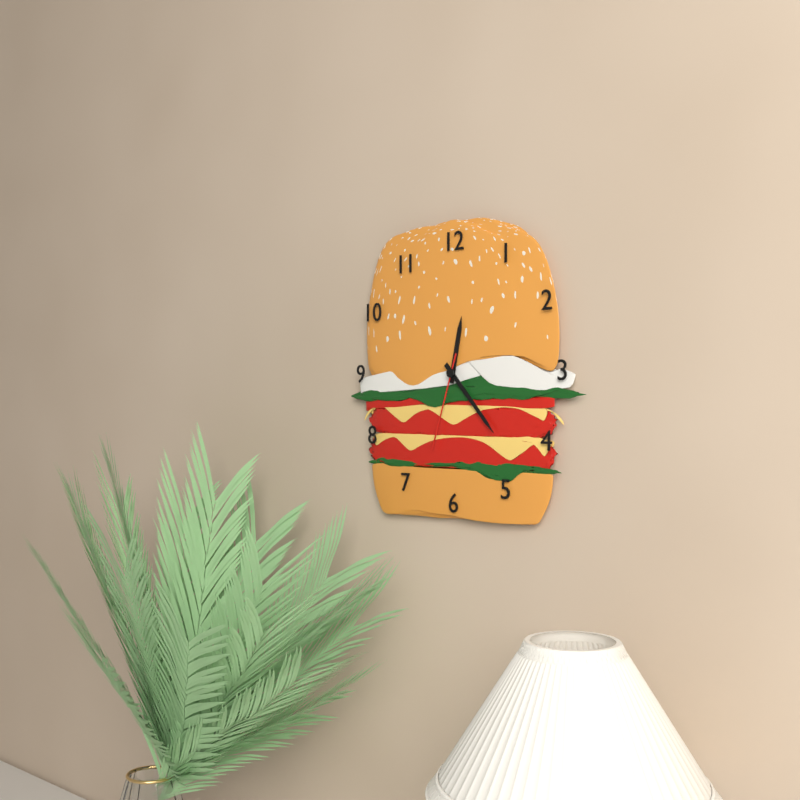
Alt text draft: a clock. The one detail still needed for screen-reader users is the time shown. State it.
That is 12:23:33
